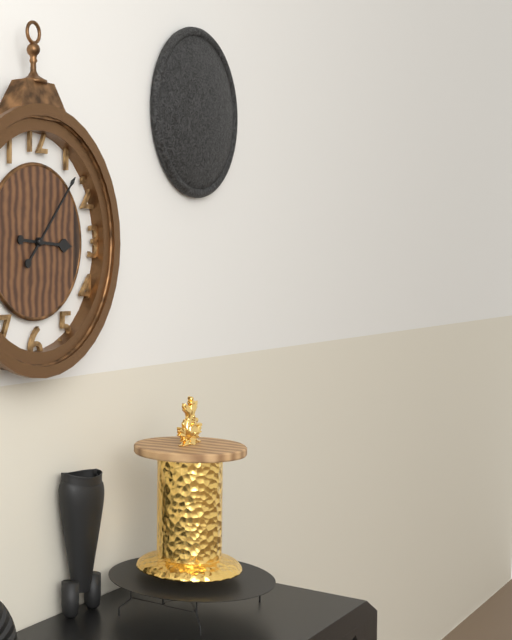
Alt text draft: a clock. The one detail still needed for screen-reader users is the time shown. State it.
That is 3:07
